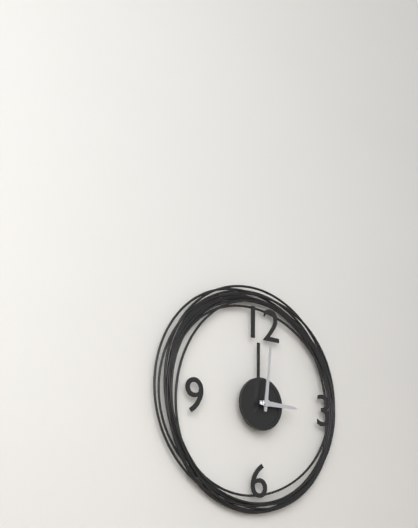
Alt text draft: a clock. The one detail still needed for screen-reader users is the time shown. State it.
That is 3:01
